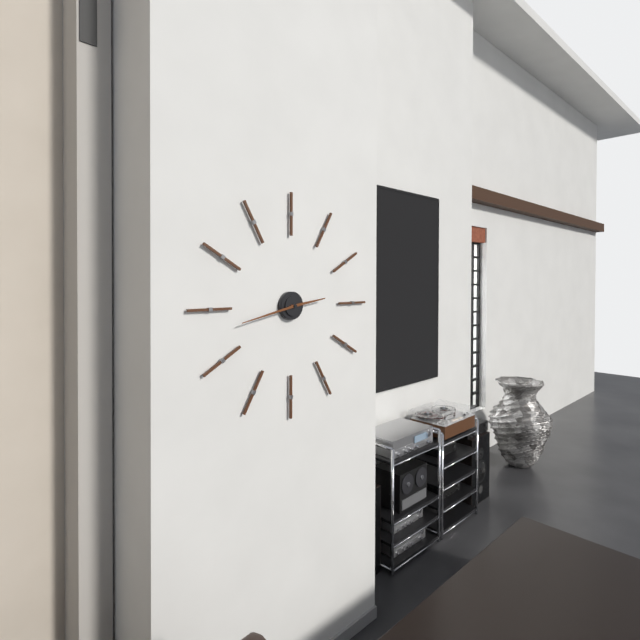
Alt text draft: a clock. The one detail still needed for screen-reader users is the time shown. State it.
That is 2:43
